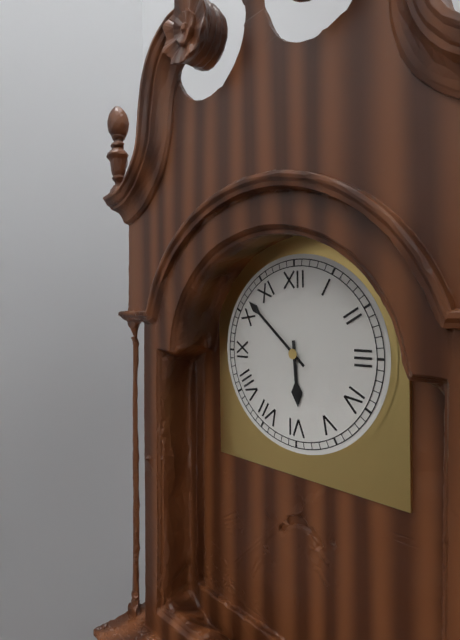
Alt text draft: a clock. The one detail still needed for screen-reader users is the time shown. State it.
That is 5:52
